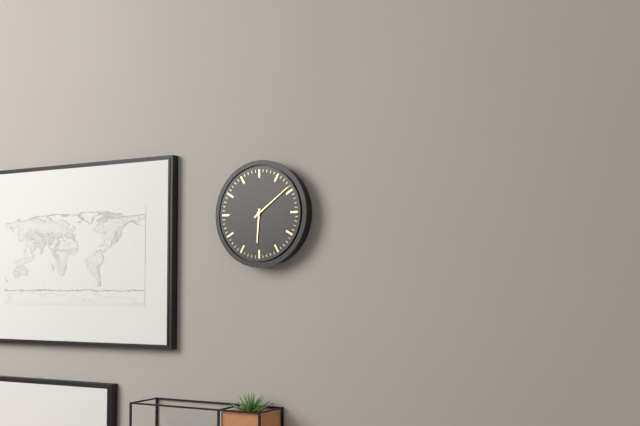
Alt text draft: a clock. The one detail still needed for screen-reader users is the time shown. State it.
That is 6:09
